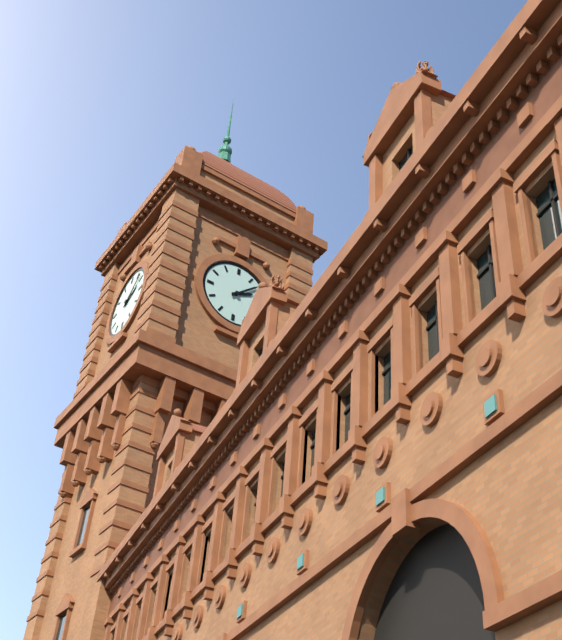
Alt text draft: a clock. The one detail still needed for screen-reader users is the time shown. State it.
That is 2:08
